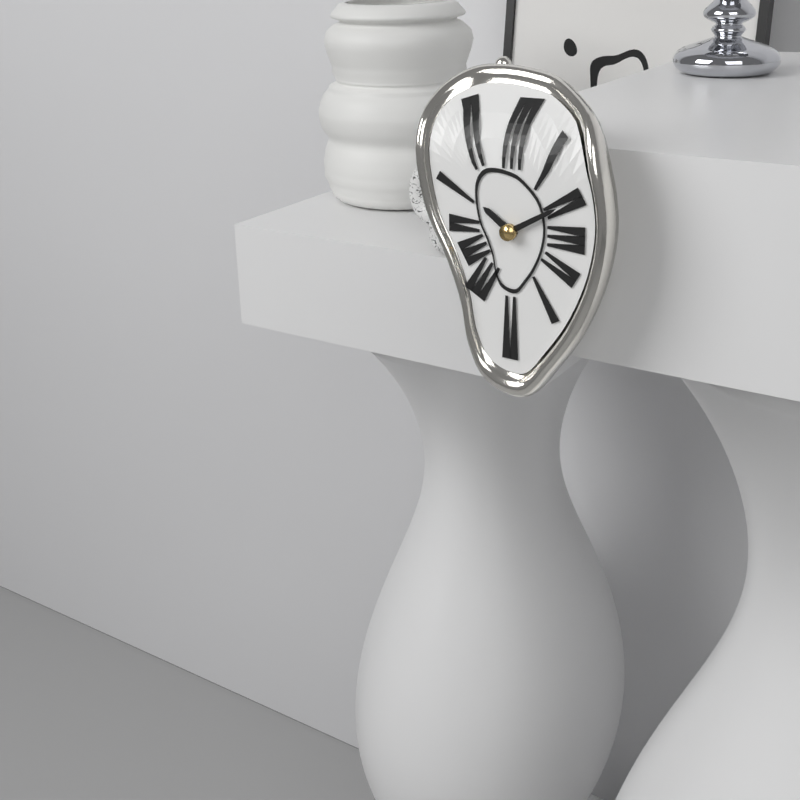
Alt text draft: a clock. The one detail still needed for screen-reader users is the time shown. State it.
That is 10:10
